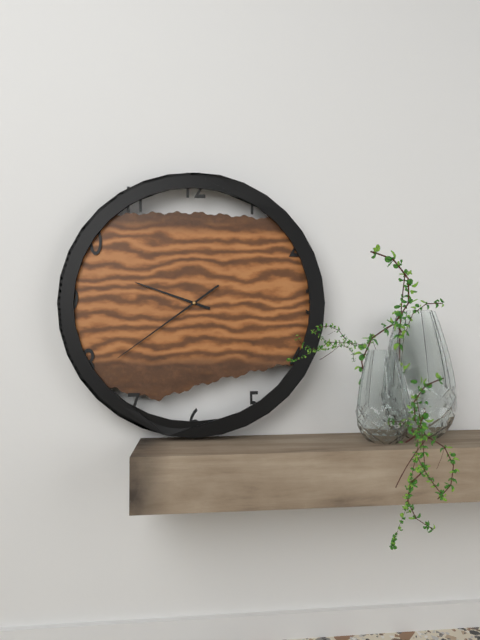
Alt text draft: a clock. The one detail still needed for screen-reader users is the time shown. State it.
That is 9:39
